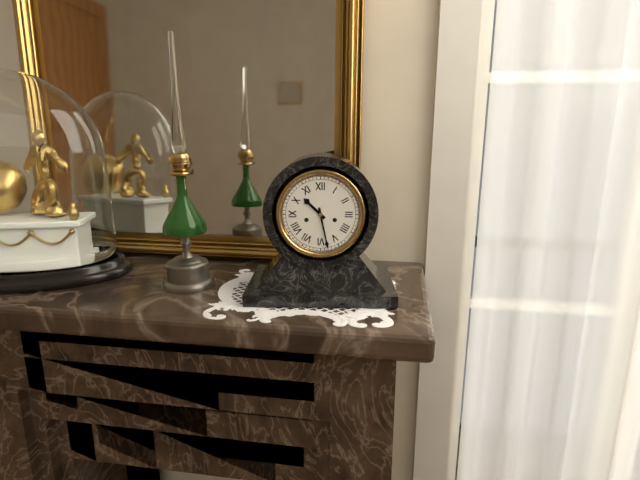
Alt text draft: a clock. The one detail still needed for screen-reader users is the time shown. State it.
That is 10:28
